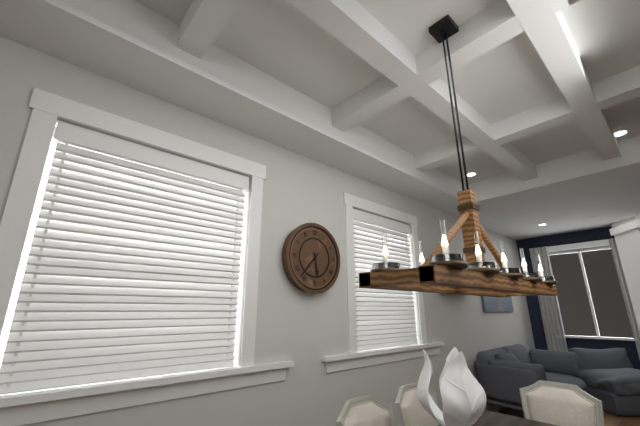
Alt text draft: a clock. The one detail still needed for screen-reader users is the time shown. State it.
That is 5:37
